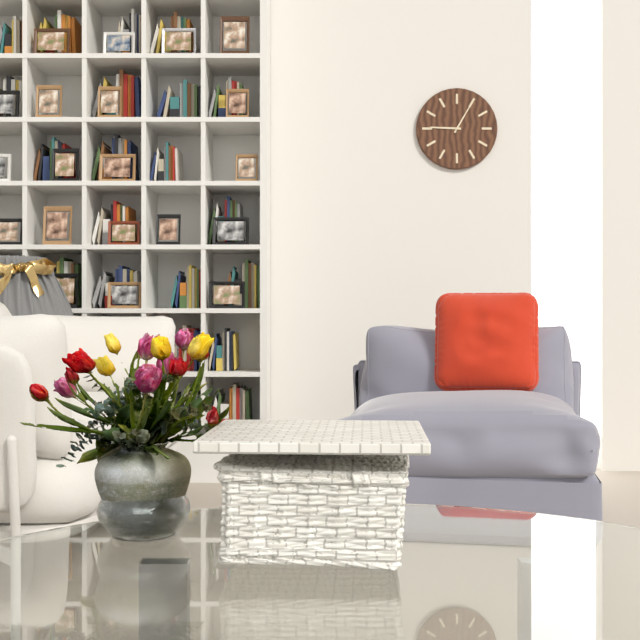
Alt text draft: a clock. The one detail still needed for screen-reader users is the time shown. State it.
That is 9:05
